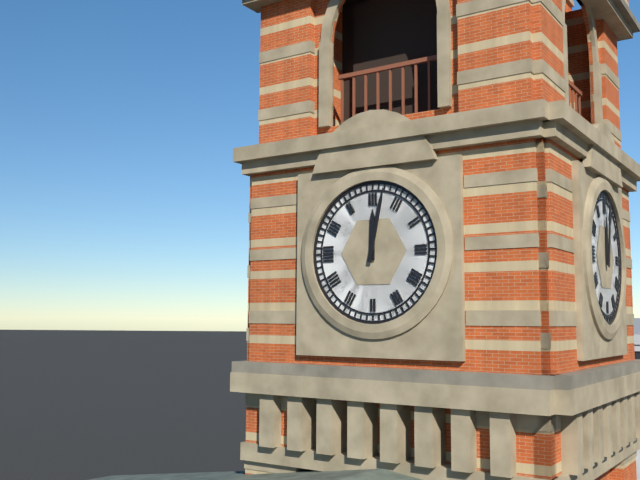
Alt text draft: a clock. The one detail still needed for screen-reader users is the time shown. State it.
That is 12:02
